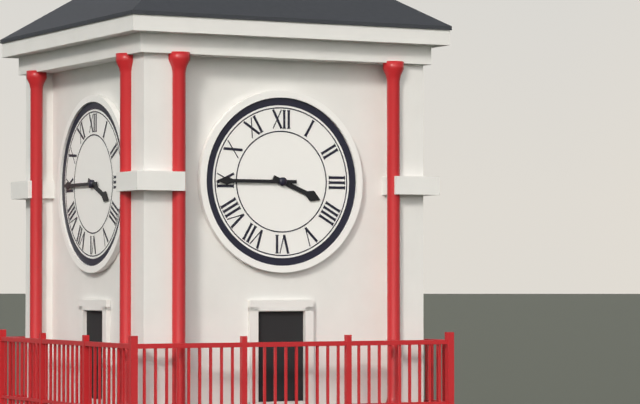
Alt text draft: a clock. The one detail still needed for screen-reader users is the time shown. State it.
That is 3:45
